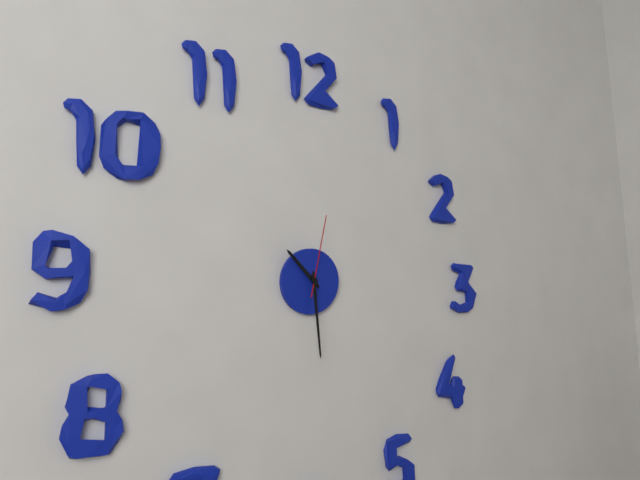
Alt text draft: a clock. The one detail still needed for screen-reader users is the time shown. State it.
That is 10:29:02
